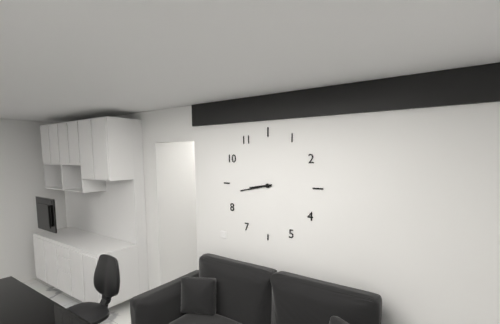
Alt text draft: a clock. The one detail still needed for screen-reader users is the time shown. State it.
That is 8:43
